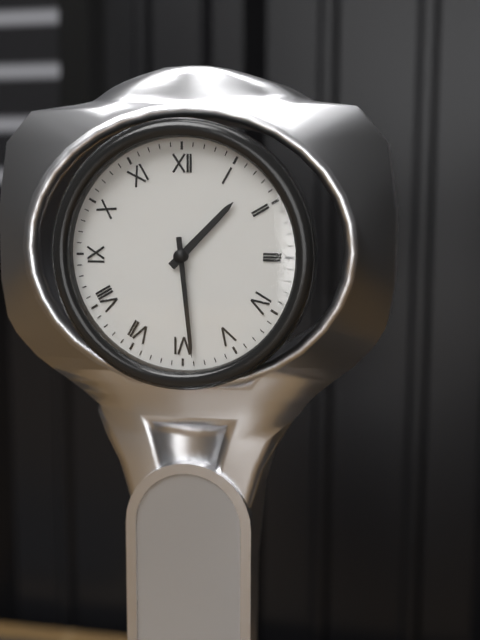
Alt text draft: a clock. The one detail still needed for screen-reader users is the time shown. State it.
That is 1:29
